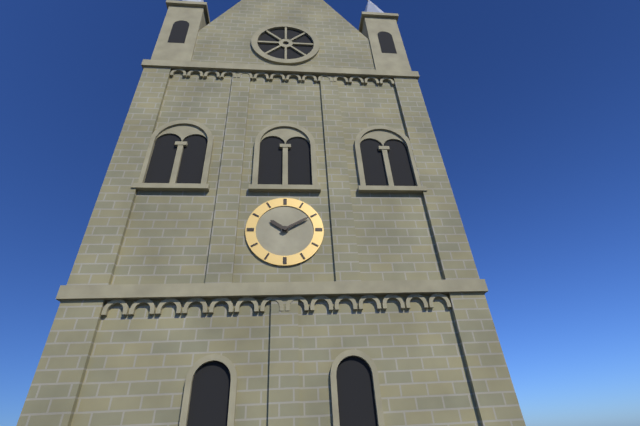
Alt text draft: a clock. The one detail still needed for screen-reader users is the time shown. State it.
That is 10:10
